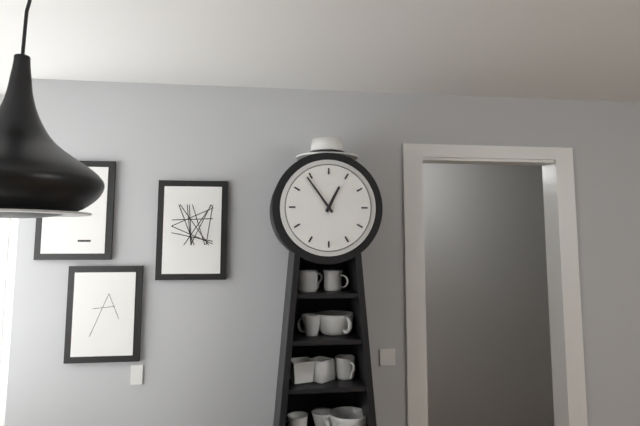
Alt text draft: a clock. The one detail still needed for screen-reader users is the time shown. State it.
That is 12:54
